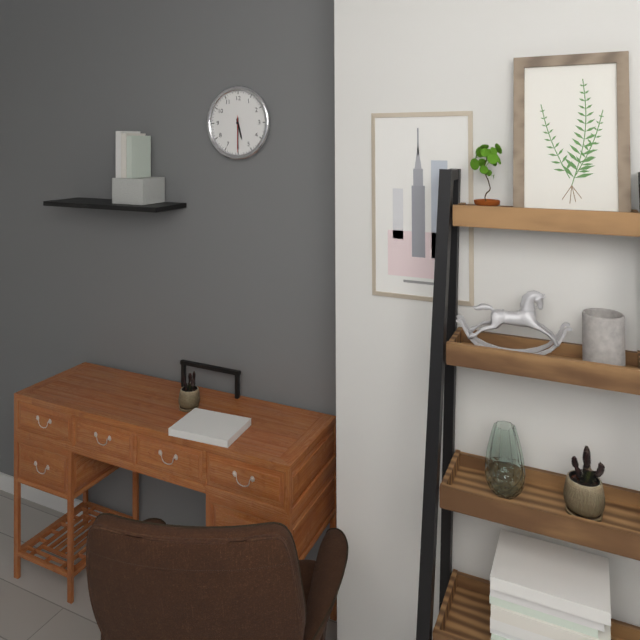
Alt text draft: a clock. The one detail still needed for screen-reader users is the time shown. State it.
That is 5:30
